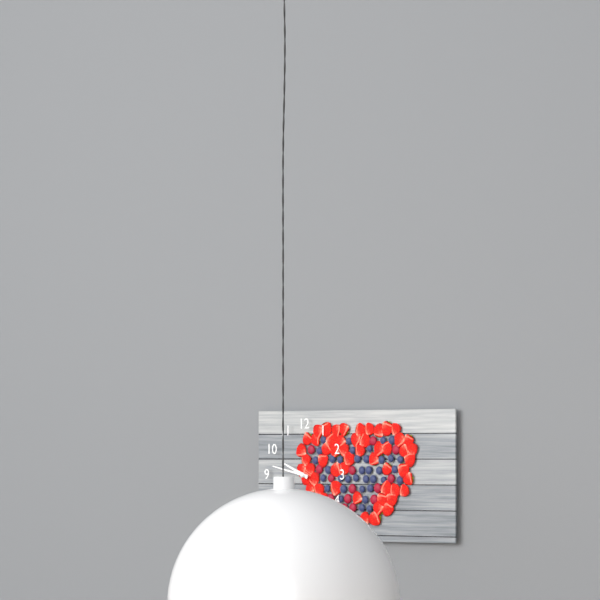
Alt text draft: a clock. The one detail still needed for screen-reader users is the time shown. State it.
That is 9:47
